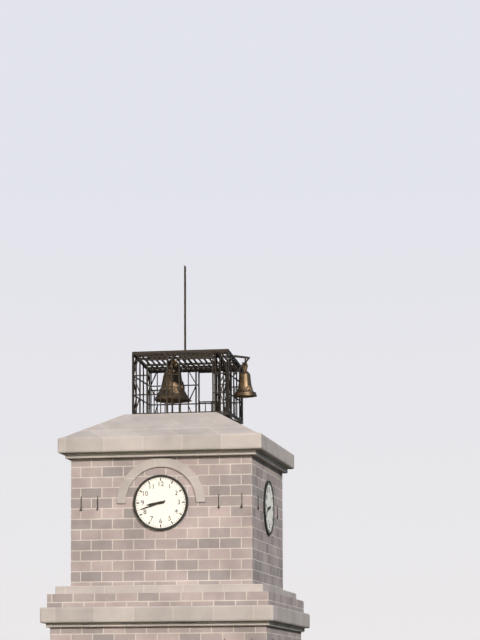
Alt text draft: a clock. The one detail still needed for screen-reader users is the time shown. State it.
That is 8:42
